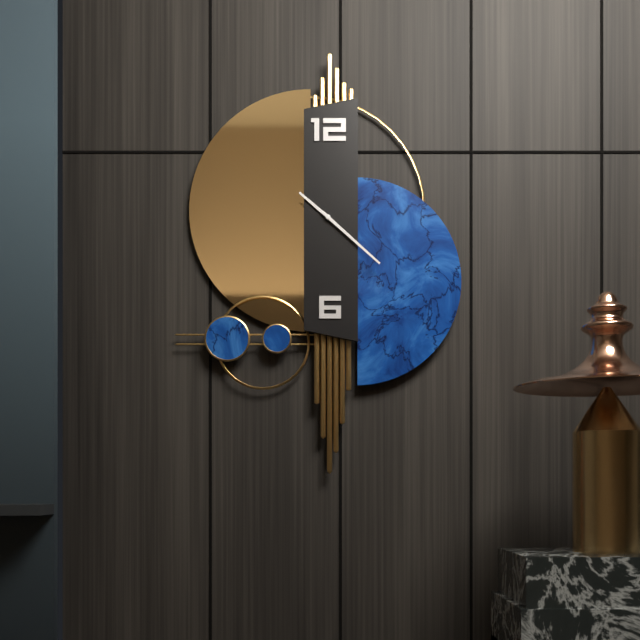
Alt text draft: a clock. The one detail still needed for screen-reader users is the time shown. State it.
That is 10:22
